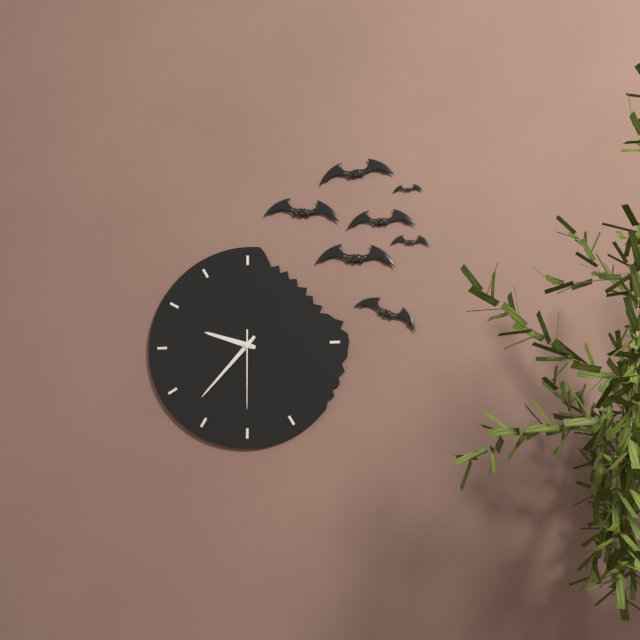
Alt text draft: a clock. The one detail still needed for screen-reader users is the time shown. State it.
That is 9:37:30
